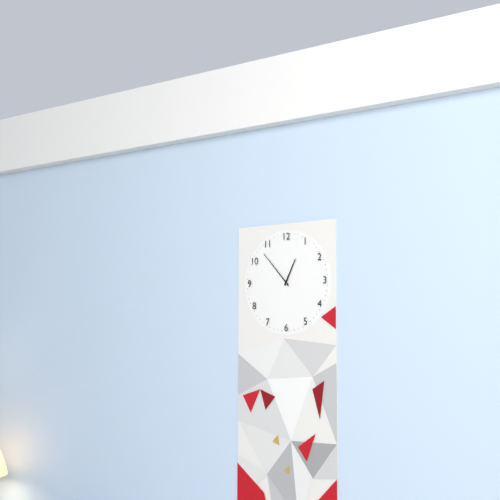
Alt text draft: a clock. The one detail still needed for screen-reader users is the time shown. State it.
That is 12:53
